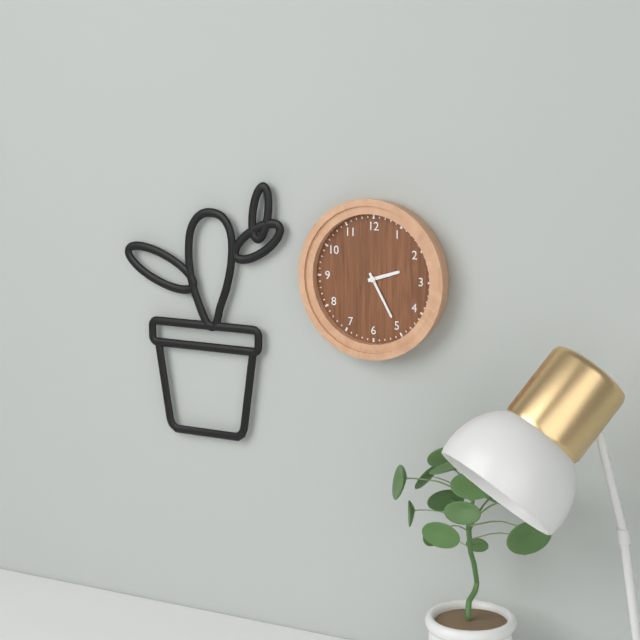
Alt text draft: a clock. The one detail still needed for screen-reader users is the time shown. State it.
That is 2:25
